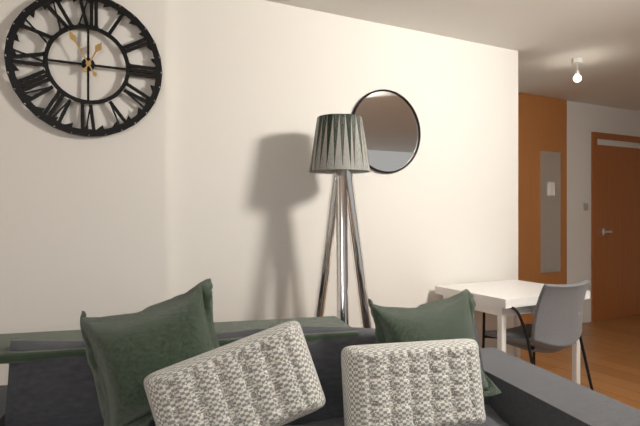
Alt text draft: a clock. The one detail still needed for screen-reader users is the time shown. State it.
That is 12:55
